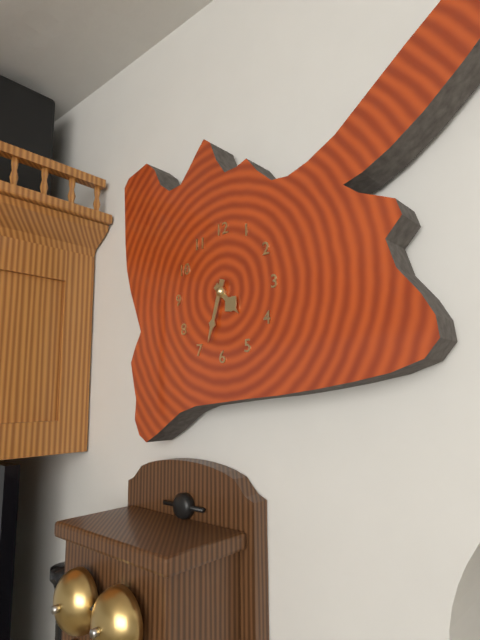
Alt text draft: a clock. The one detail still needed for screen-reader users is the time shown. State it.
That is 4:33
